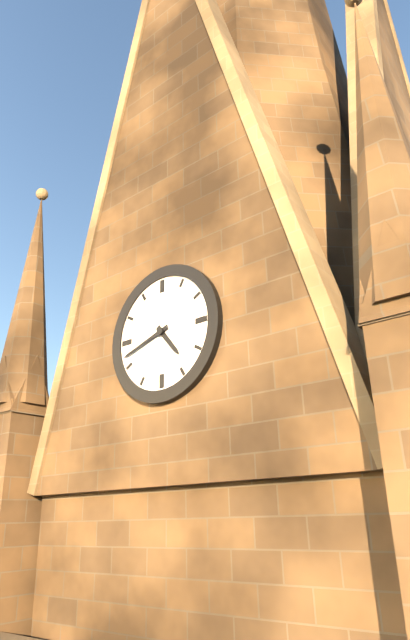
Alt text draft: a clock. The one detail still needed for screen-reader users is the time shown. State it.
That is 4:42
